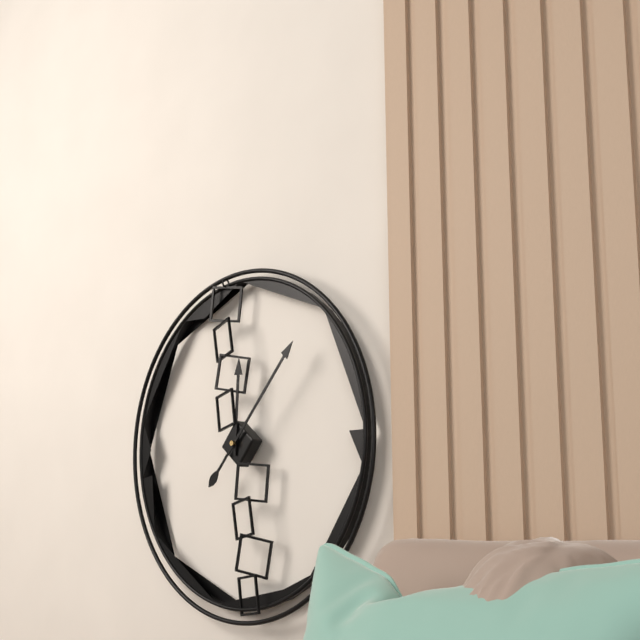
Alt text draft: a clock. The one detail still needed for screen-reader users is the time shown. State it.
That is 12:07
